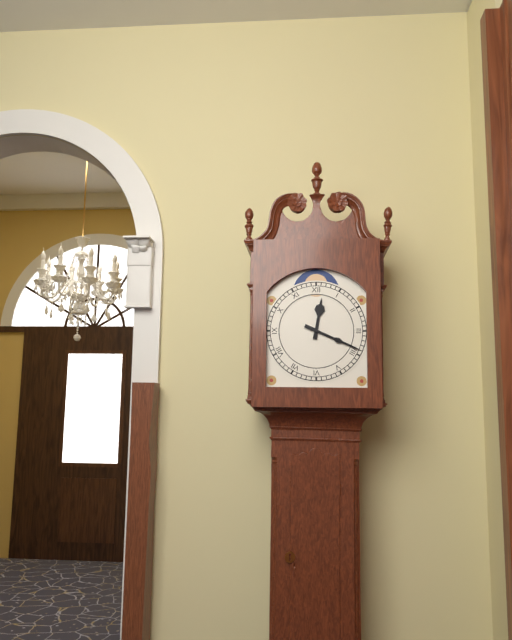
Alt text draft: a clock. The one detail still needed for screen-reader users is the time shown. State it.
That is 12:19
